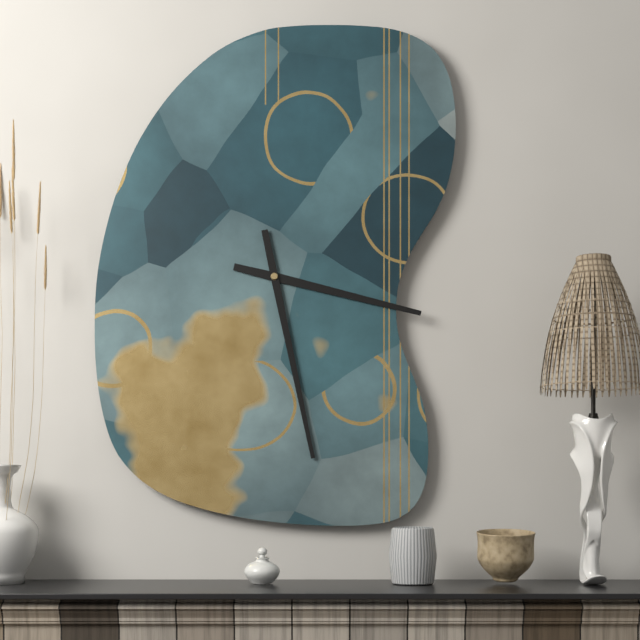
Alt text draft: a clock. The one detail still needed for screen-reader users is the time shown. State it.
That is 3:28
